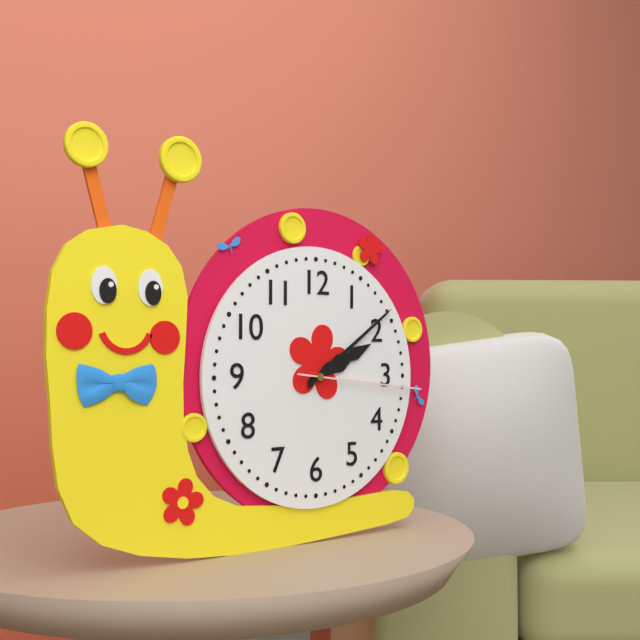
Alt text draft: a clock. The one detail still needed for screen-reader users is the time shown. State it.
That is 2:09:16
